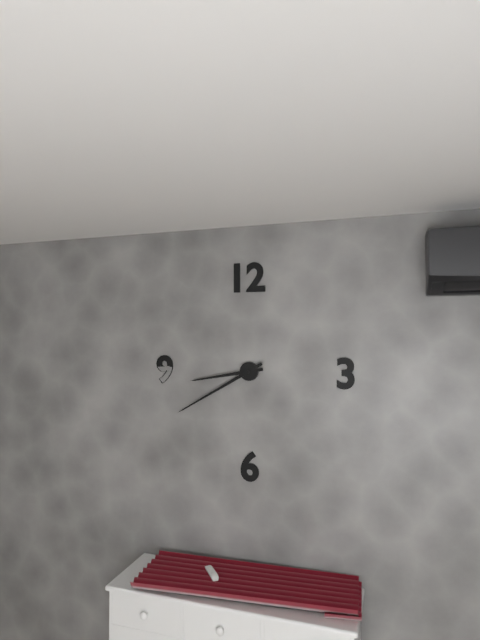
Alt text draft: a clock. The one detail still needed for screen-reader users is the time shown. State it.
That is 8:40
